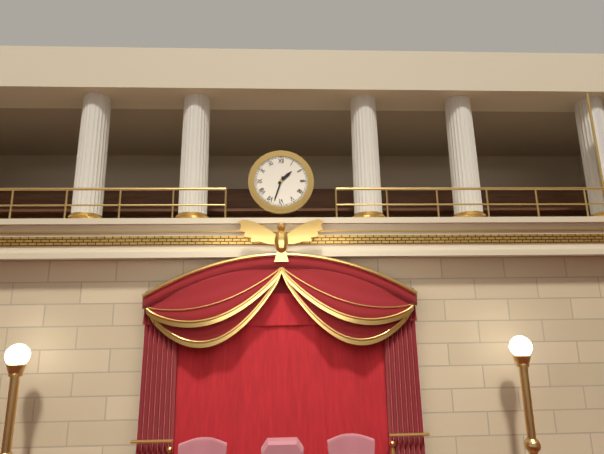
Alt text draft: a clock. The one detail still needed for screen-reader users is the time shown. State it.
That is 1:33
